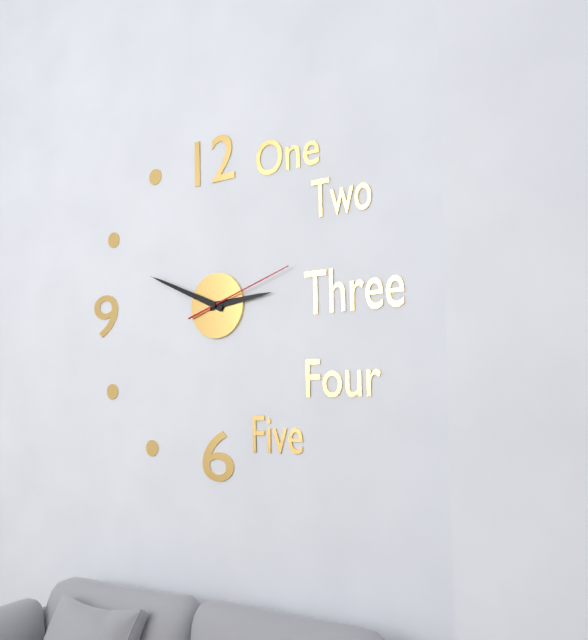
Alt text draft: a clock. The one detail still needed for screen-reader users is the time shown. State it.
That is 2:49:12
